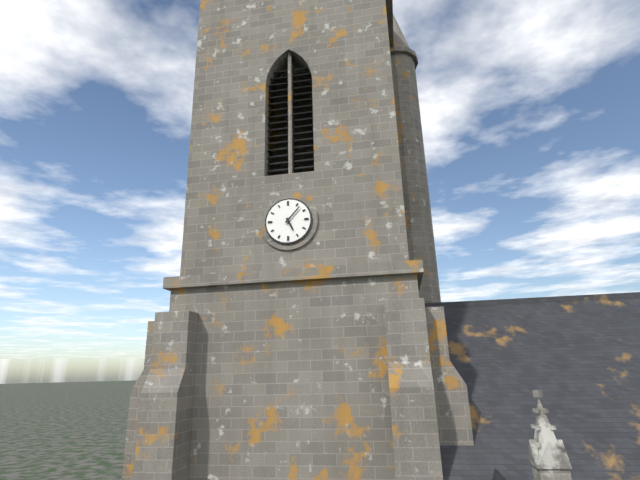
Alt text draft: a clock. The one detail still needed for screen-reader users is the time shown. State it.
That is 5:07
